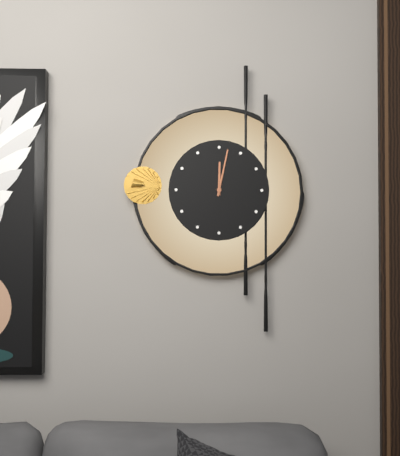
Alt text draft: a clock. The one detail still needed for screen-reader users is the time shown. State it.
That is 12:02
